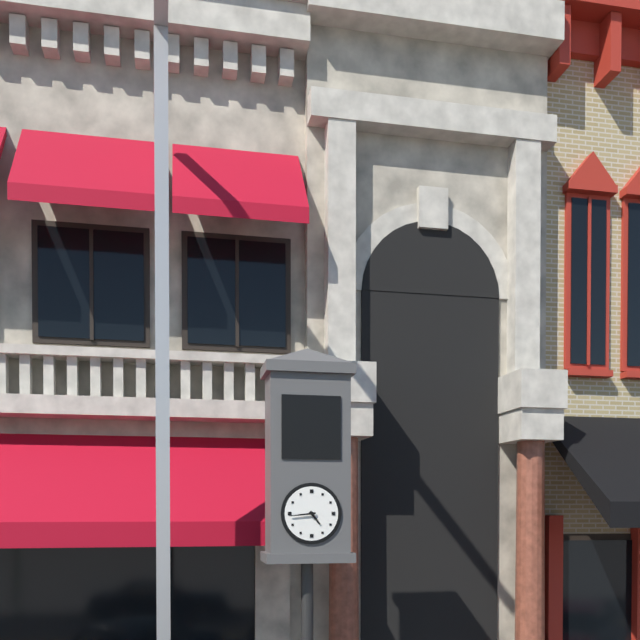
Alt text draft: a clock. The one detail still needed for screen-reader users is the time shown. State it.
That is 4:44
